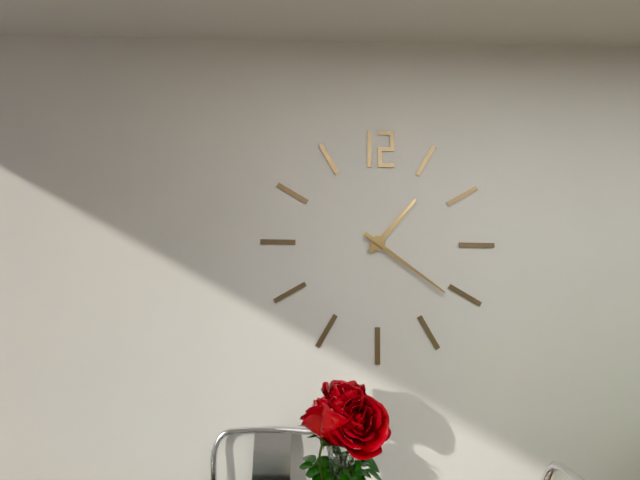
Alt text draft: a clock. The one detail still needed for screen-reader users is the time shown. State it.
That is 1:21
